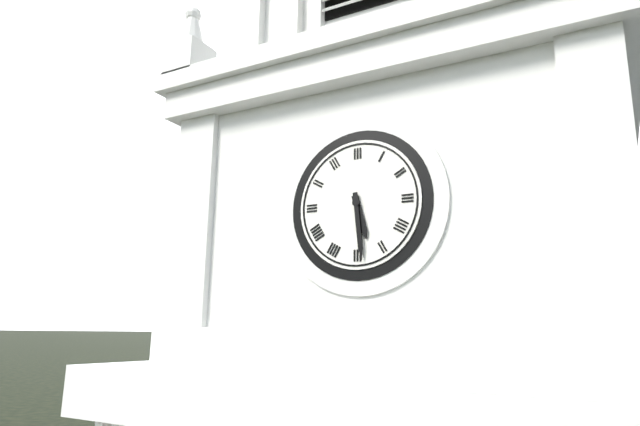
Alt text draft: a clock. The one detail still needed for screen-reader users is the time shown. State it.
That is 5:29
